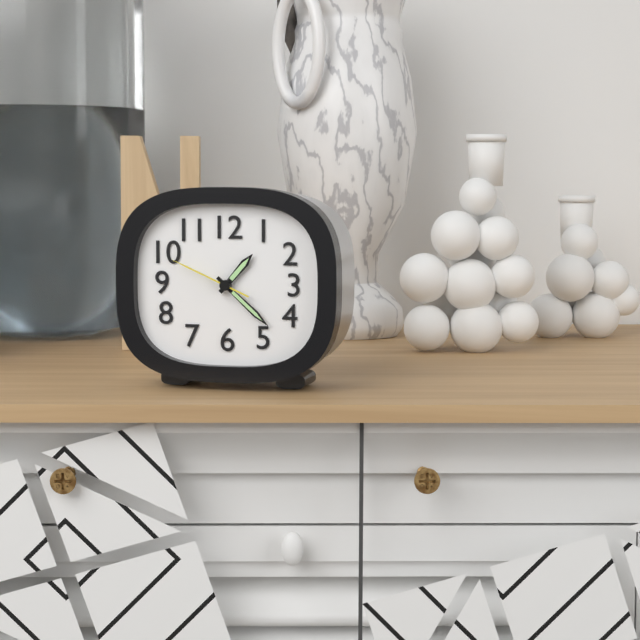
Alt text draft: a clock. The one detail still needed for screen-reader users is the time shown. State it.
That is 1:22:49
